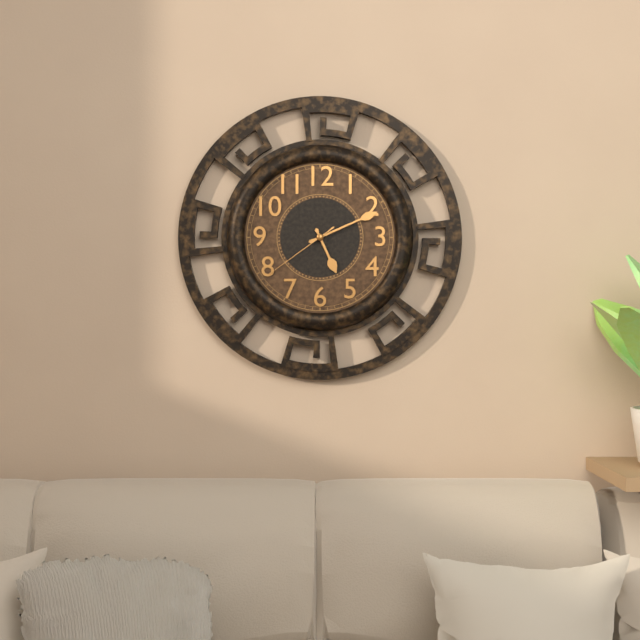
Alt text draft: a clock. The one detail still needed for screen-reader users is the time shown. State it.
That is 5:11:39
